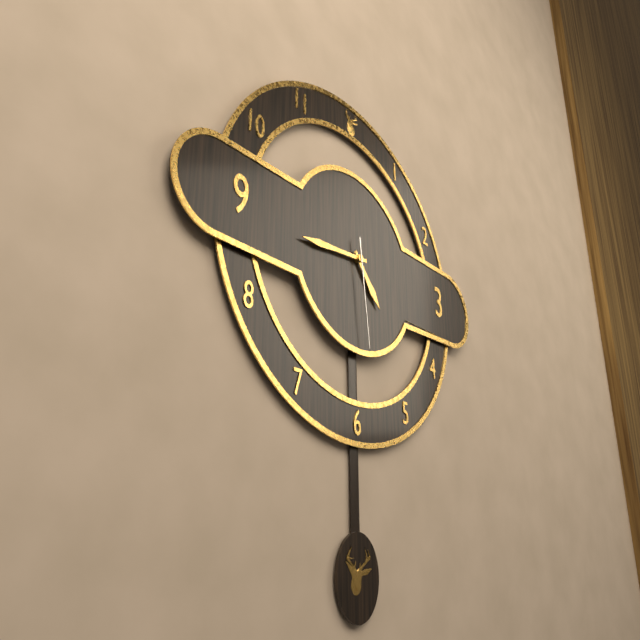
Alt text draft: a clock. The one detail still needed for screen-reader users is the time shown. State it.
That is 4:44:29
